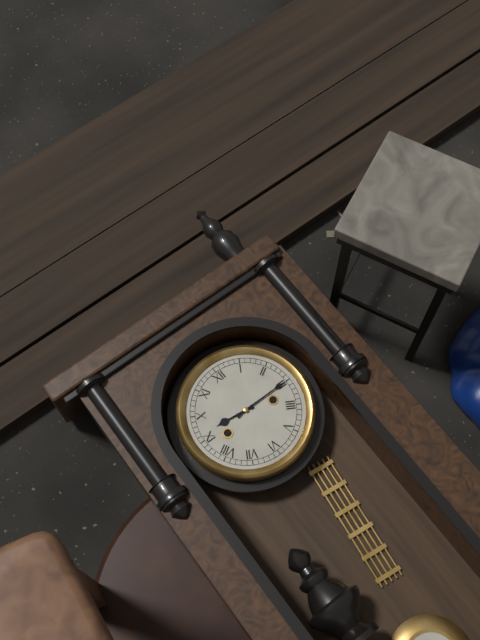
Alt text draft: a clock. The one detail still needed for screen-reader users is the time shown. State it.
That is 9:15
